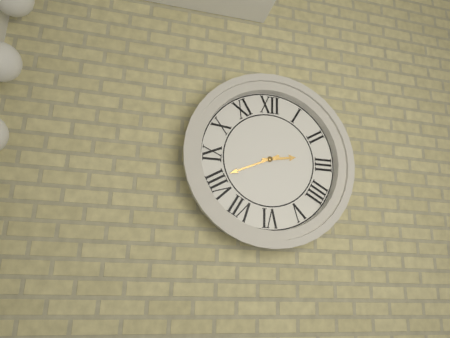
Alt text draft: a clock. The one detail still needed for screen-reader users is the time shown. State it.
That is 2:41
